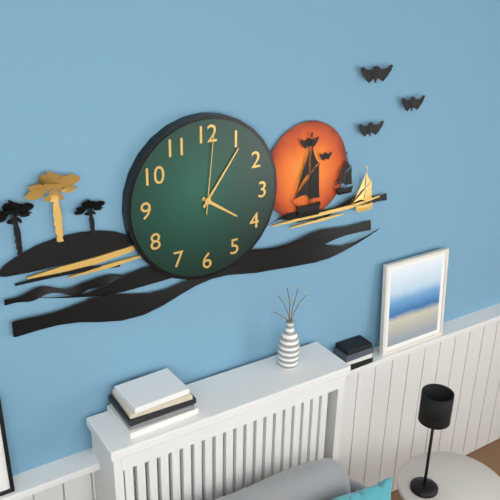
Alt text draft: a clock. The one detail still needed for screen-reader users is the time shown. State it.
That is 4:06:01
